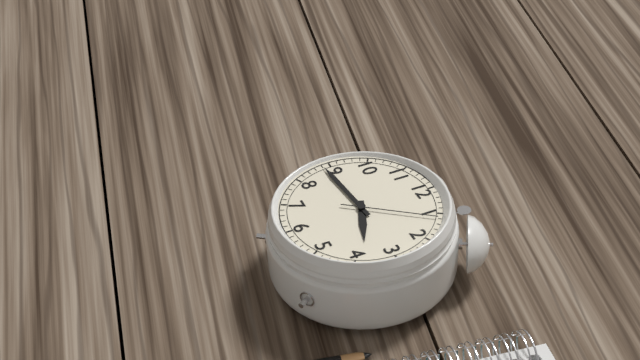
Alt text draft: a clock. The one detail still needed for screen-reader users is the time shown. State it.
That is 3:44:06
